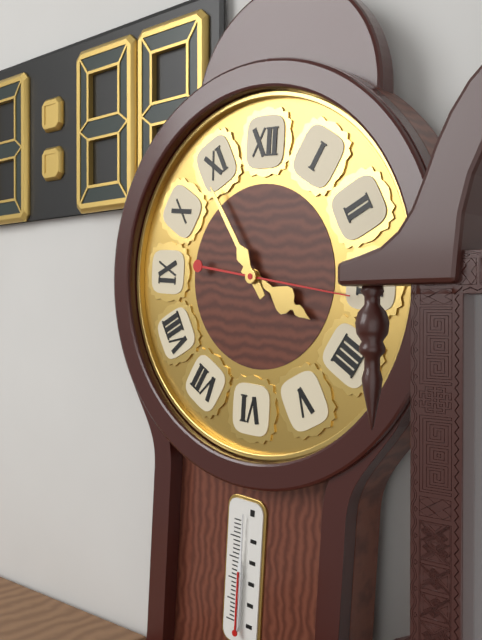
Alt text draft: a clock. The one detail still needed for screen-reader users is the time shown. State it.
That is 3:54:16
